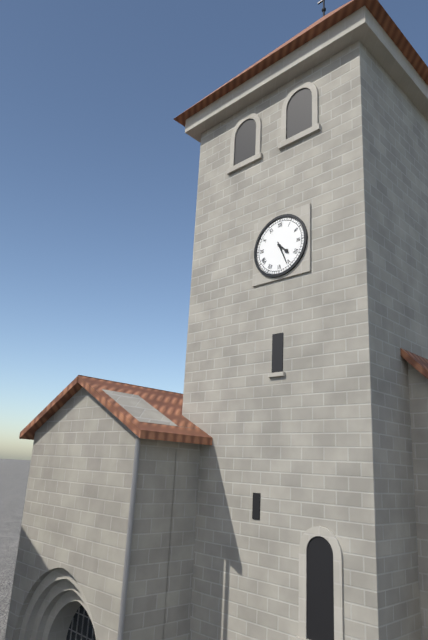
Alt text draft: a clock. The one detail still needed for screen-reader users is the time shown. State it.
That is 4:26
